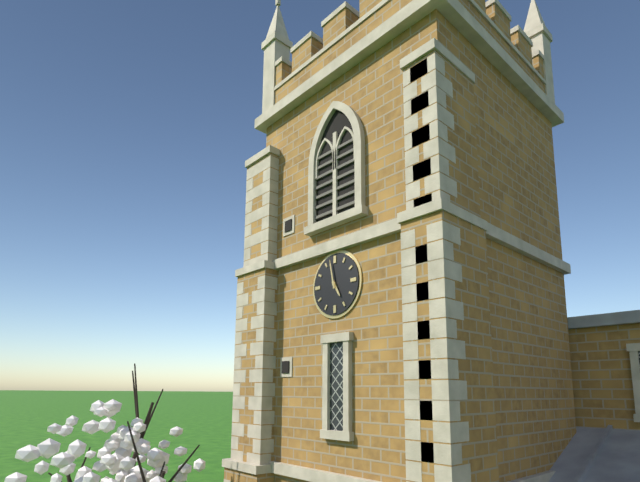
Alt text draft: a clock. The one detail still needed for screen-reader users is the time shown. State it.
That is 4:58
